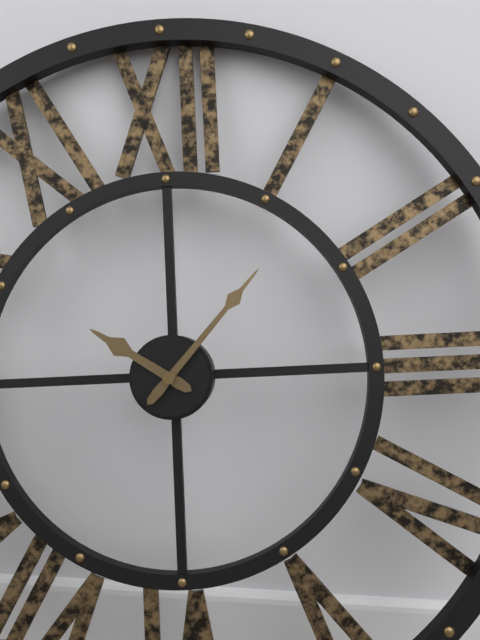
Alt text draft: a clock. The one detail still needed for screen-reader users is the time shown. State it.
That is 10:07
